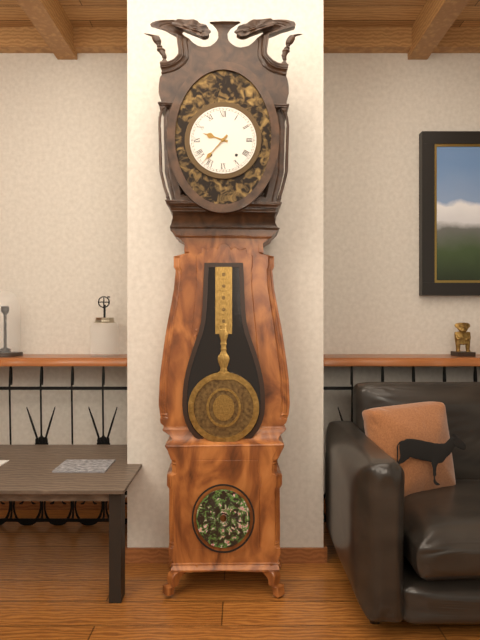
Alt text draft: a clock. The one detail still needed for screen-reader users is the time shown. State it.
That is 9:37
